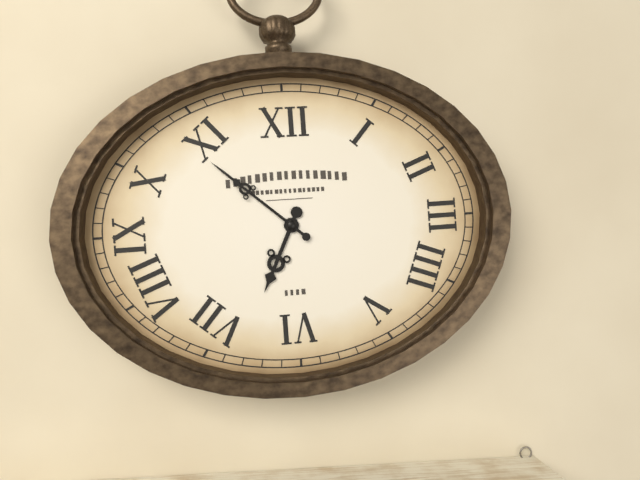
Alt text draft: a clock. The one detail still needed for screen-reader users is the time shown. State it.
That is 6:52
